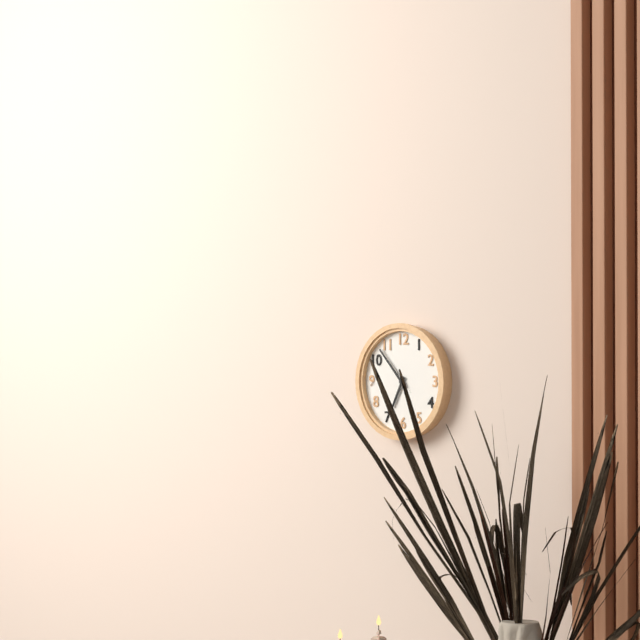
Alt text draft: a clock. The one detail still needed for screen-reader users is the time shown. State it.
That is 6:53
